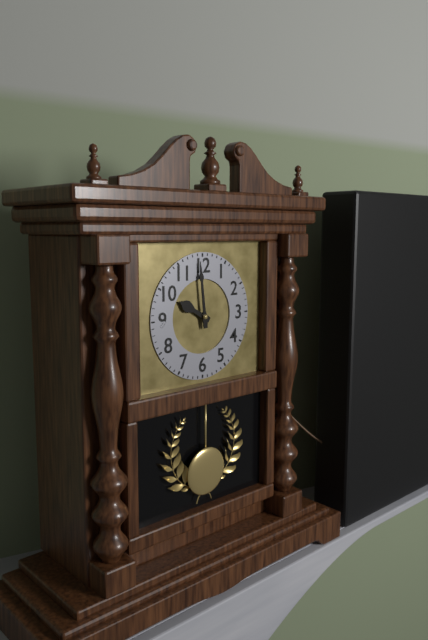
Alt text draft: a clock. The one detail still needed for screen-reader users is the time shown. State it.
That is 9:59
